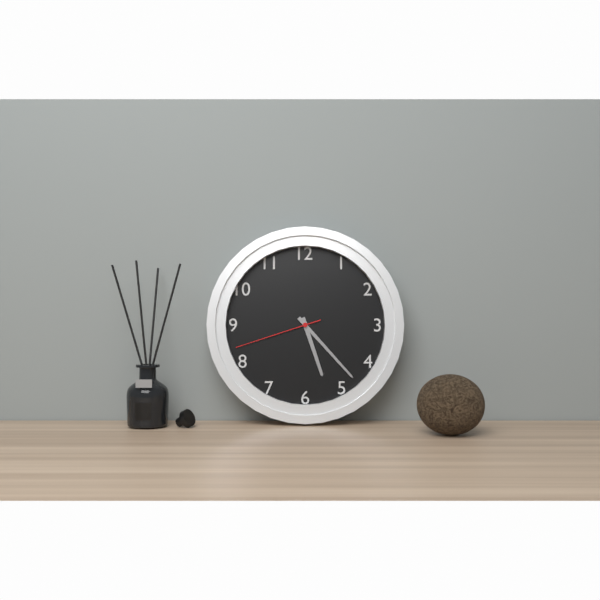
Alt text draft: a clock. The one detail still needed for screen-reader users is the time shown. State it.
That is 5:23:42
